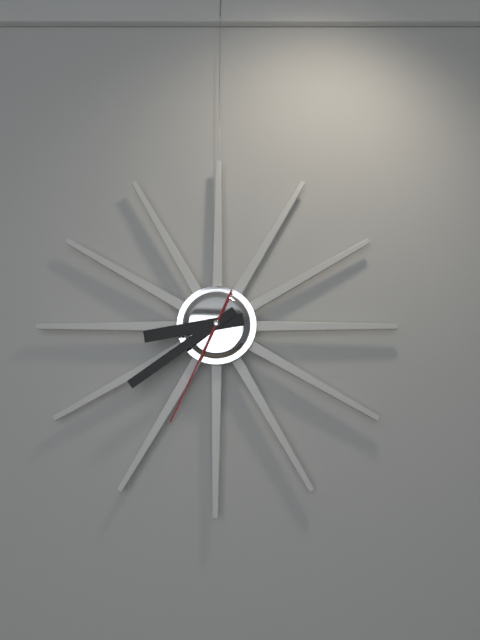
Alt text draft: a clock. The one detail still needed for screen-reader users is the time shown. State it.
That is 8:39:34
